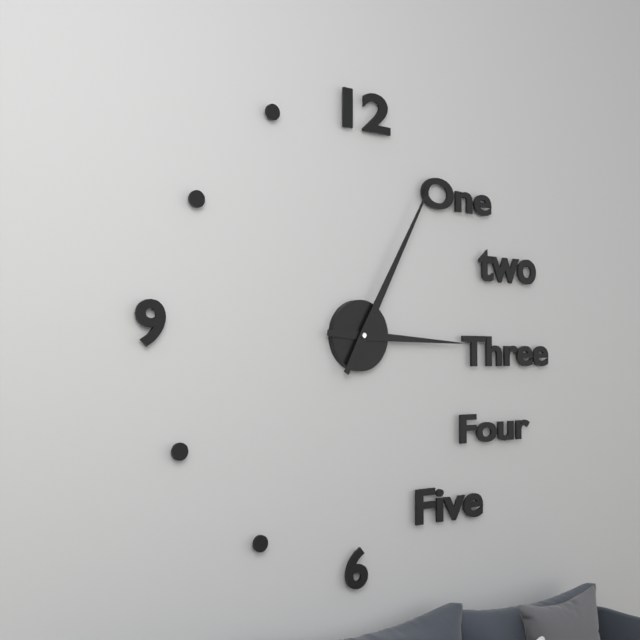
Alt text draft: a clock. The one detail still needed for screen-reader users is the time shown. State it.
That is 3:05
